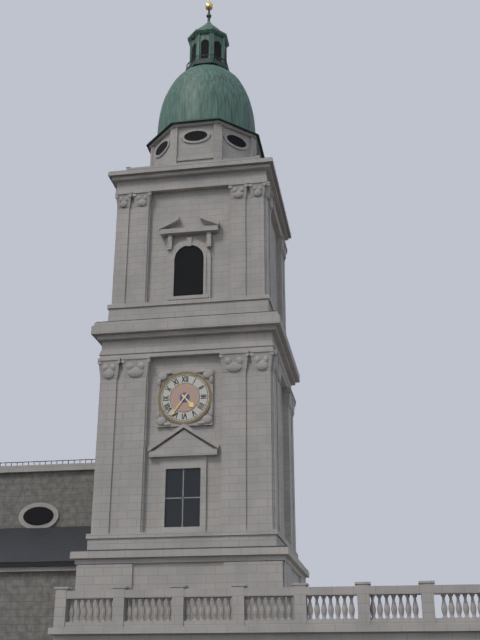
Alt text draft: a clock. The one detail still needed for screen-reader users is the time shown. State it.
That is 4:36
